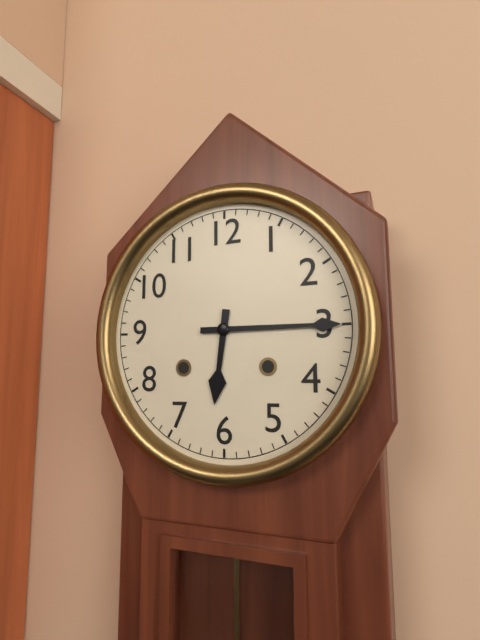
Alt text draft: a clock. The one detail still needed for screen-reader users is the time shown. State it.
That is 6:15
